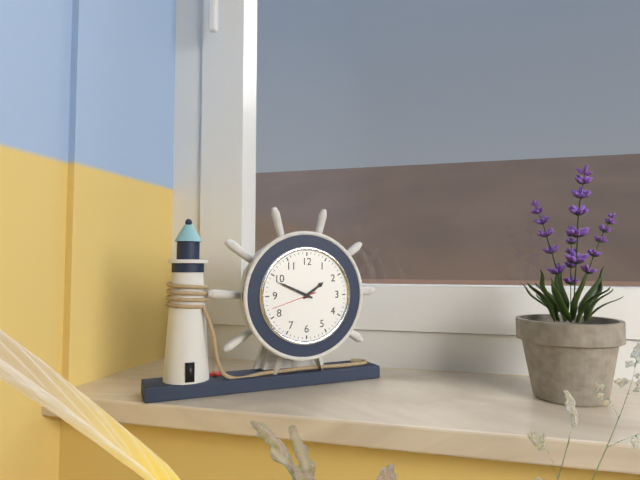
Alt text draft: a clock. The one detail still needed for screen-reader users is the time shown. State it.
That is 1:49
